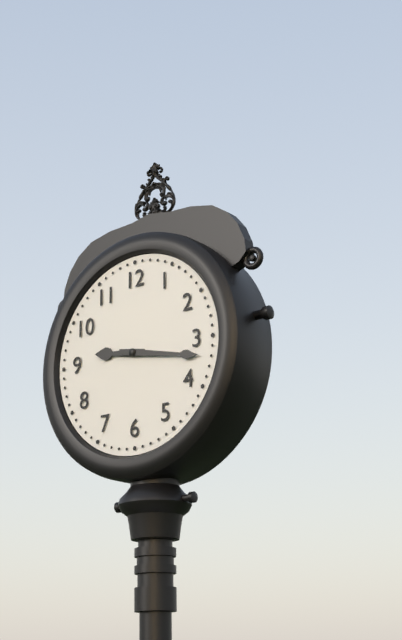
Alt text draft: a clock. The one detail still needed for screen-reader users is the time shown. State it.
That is 9:17
